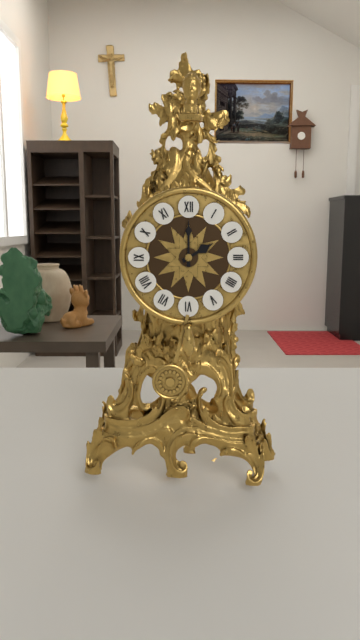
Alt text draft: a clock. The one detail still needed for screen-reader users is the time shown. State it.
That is 2:00
